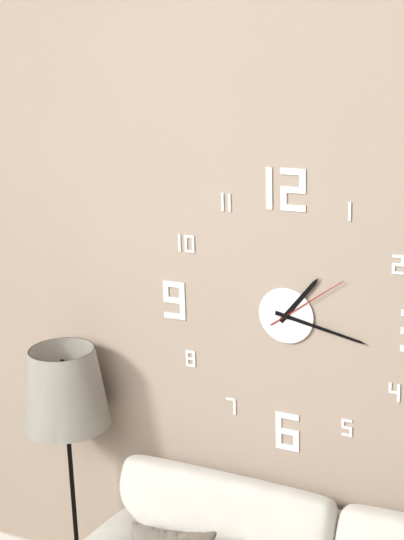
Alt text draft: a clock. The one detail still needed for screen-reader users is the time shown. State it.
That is 1:17:09
